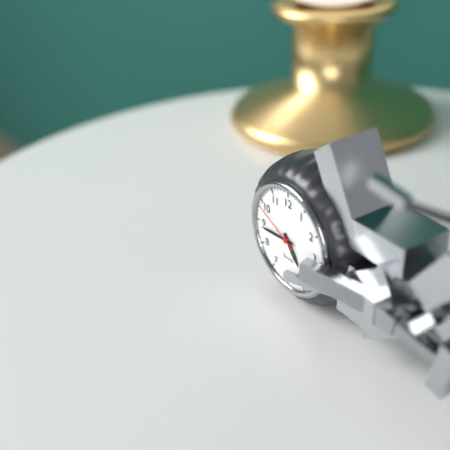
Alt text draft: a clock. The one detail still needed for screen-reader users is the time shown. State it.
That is 4:44:49
